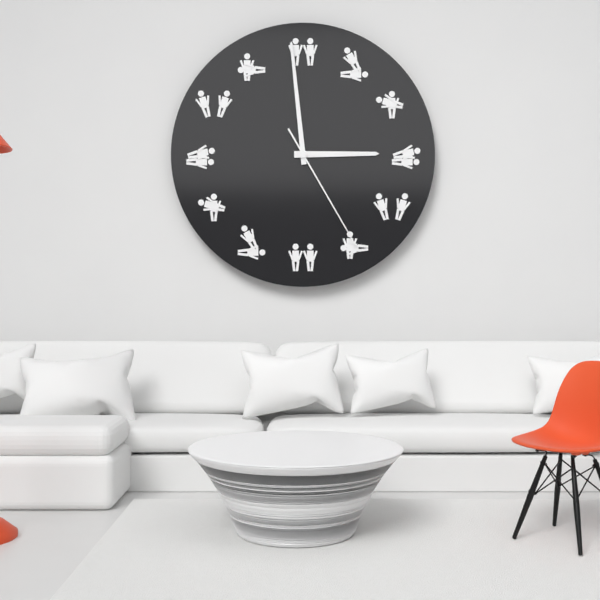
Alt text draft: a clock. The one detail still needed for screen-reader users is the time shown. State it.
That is 2:59:25
